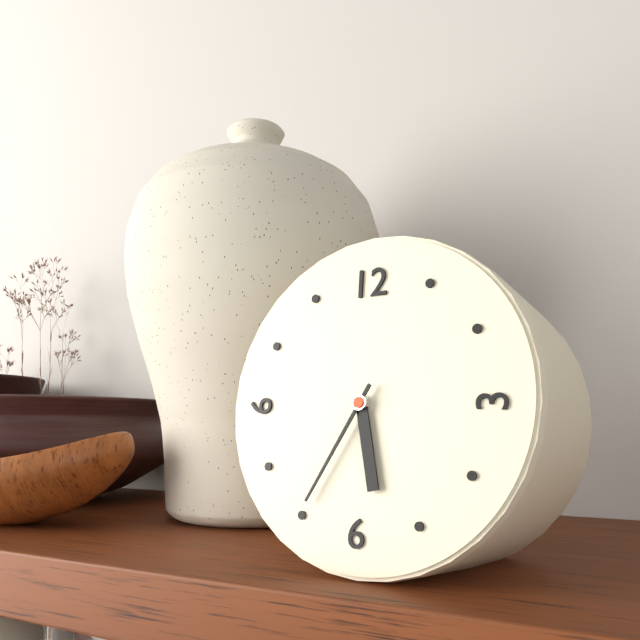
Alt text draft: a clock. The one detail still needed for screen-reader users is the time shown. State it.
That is 5:35
